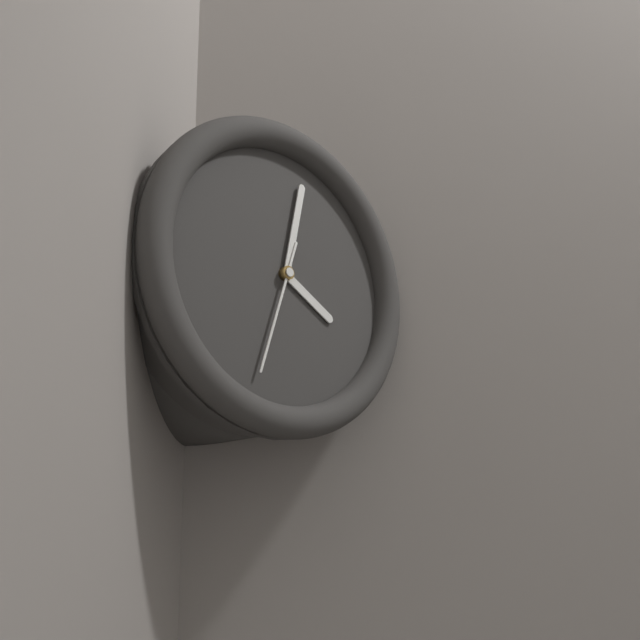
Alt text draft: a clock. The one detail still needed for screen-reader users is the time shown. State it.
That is 4:02:33
